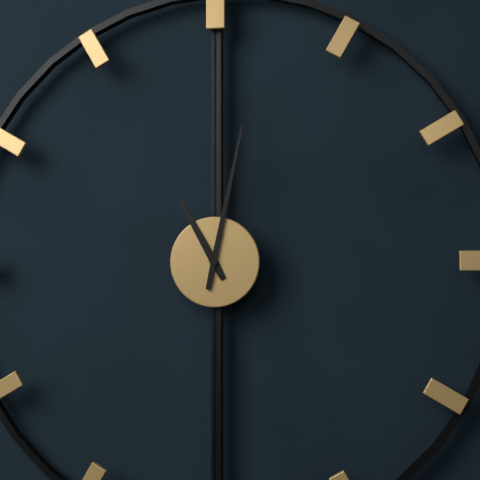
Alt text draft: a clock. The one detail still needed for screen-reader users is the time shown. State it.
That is 11:02
